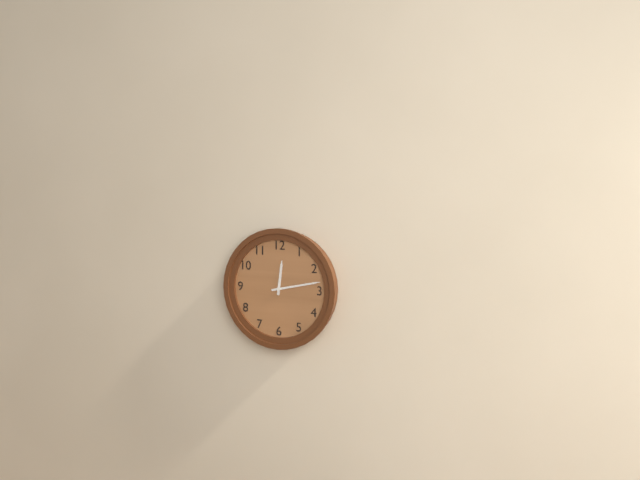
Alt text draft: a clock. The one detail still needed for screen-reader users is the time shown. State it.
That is 12:13
